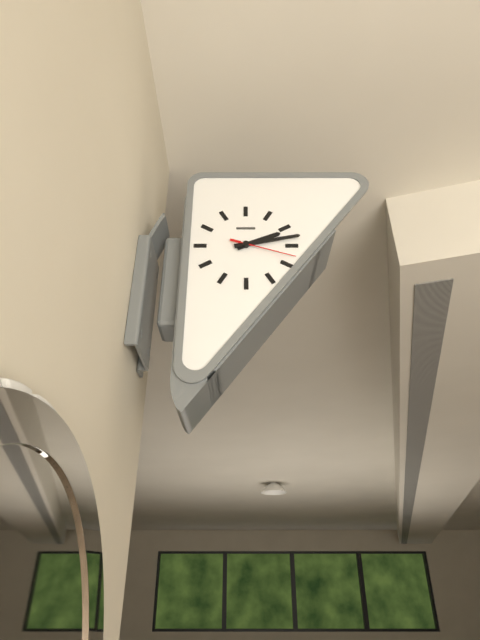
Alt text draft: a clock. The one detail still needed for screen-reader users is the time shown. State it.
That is 2:13:18
